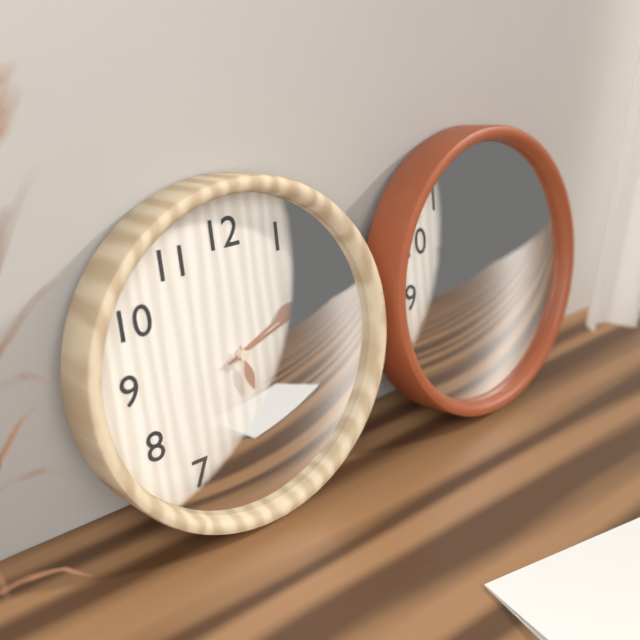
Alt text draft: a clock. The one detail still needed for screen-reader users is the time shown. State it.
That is 2:12
